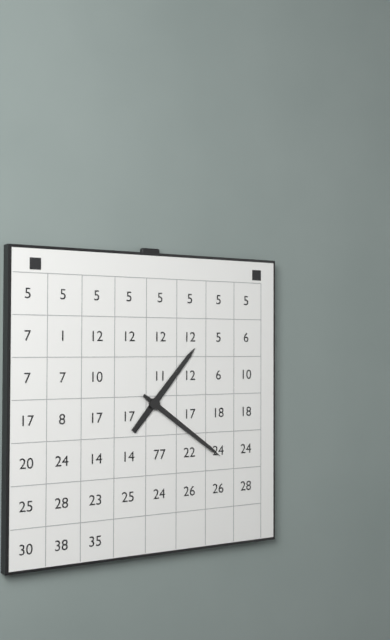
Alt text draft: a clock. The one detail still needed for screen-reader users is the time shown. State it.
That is 1:21
